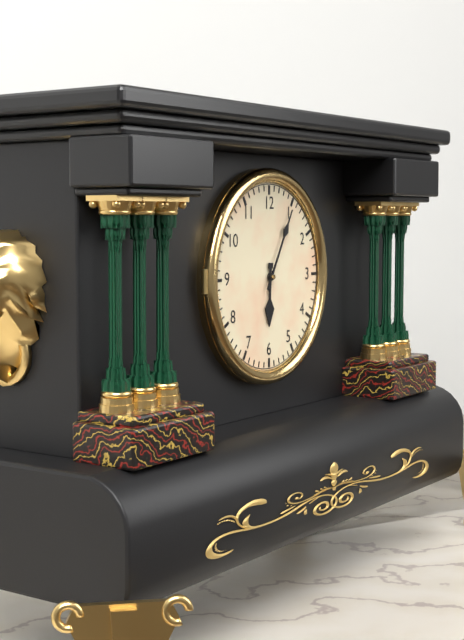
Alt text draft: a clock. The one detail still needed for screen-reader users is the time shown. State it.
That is 6:05
